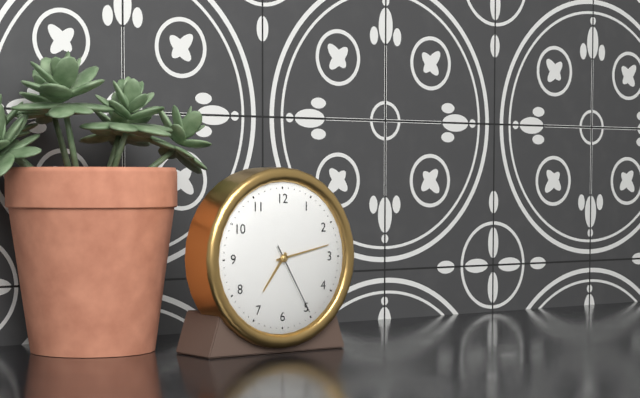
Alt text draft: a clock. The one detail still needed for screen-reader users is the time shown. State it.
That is 7:13:25
